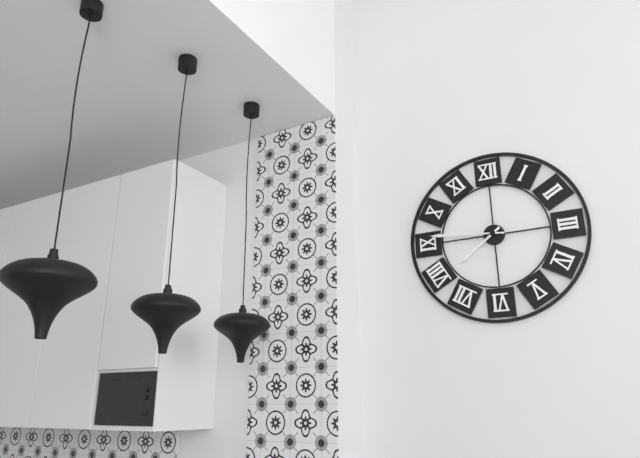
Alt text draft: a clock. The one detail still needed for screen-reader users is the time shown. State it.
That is 7:46
